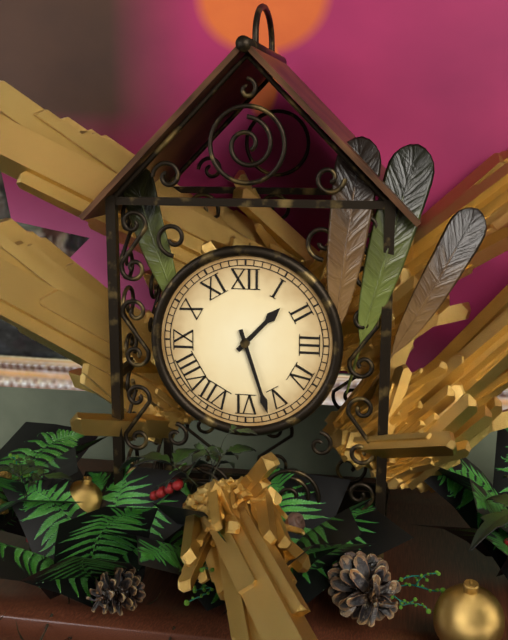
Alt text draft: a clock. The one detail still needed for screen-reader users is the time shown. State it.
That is 1:27
